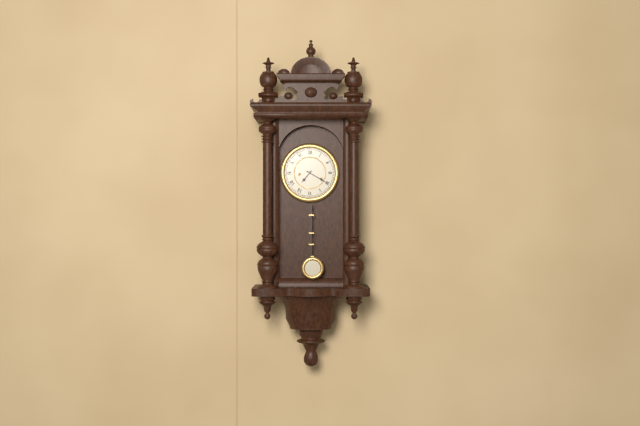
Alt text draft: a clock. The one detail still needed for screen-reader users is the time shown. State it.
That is 7:20
